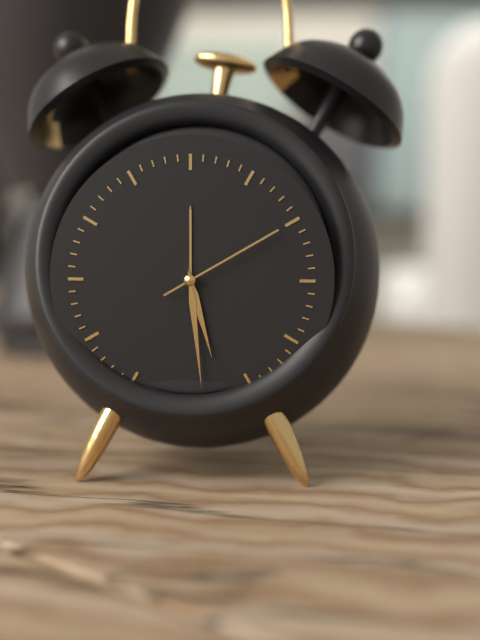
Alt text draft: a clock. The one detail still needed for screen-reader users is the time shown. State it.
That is 5:29:10
